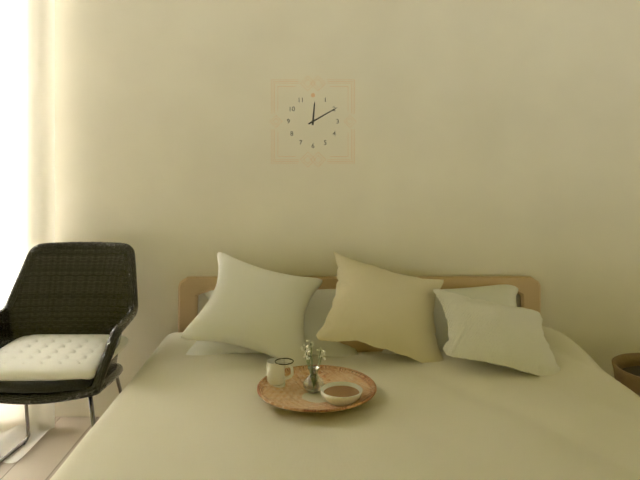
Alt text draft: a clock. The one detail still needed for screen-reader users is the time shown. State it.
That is 12:10
